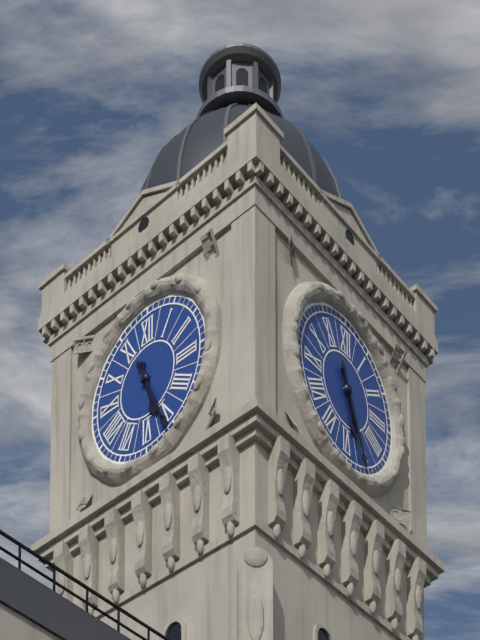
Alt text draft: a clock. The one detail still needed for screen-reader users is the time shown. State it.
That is 5:26
